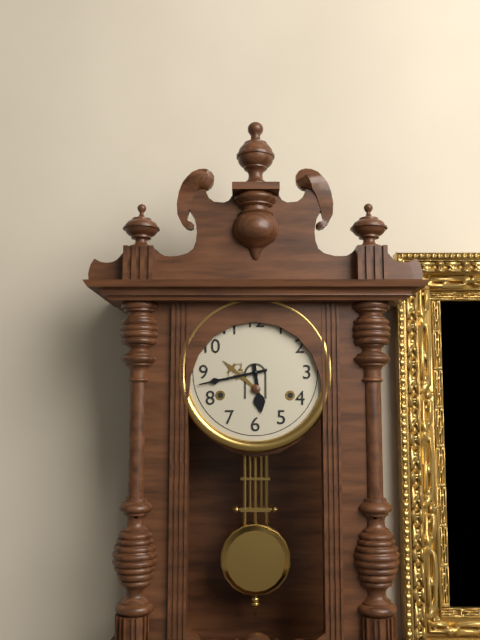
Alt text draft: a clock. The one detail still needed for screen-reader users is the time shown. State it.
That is 5:43
